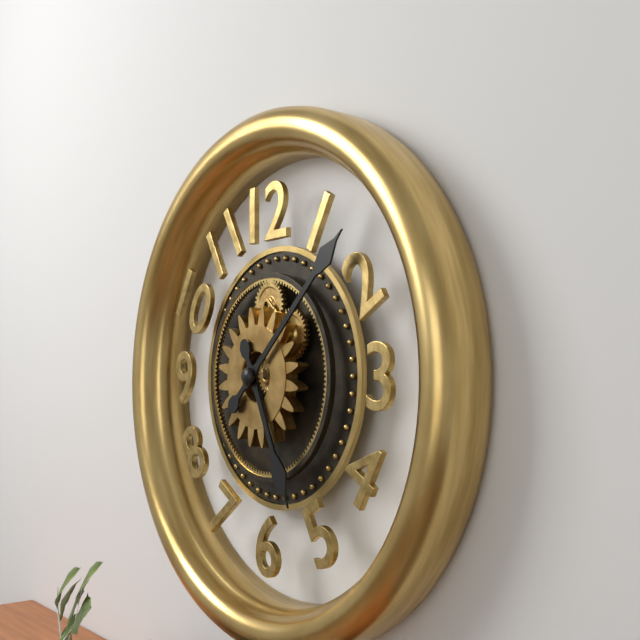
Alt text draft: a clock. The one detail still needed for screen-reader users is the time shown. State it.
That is 5:08
